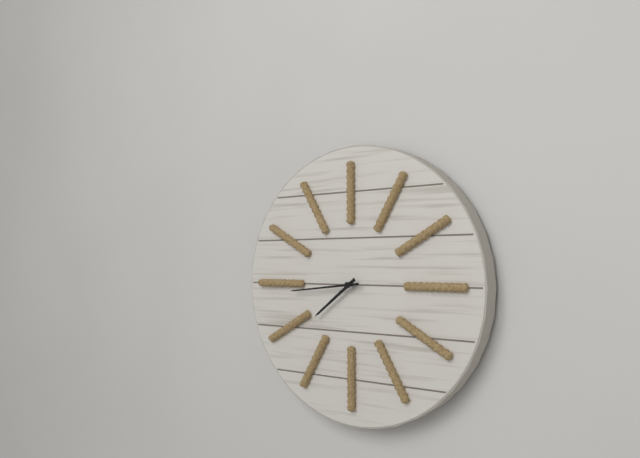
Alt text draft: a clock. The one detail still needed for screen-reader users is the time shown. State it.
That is 7:44
